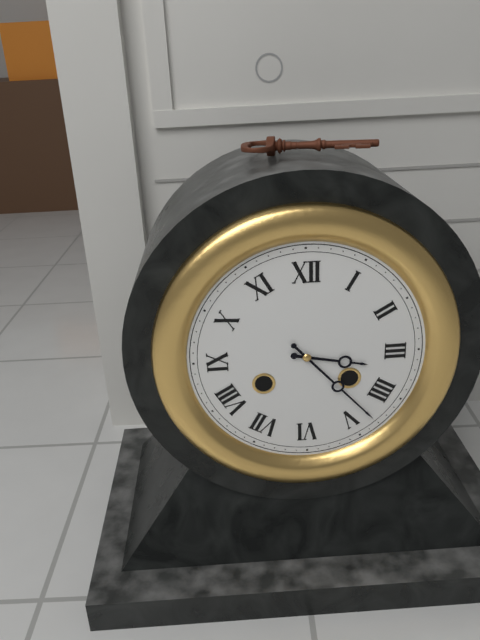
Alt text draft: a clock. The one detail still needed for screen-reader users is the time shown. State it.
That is 3:23
